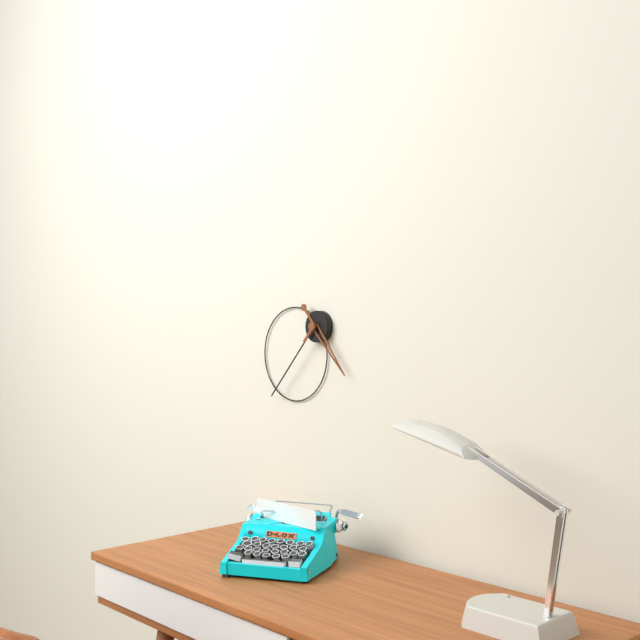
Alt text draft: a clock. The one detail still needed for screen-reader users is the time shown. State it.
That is 4:37
